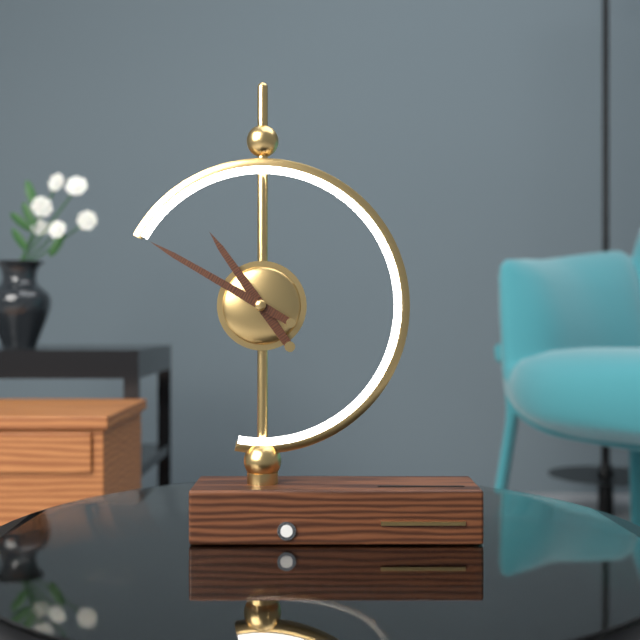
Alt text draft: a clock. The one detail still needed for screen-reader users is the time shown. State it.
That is 10:50
